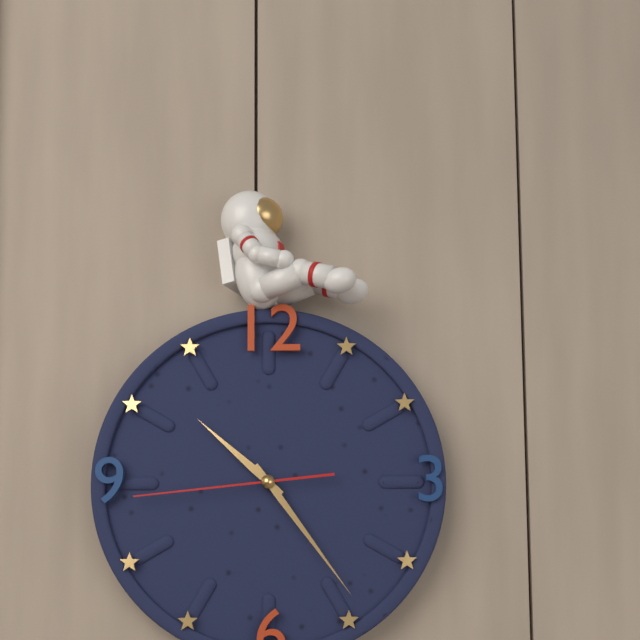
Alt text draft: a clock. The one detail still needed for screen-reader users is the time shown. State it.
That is 10:24:44
